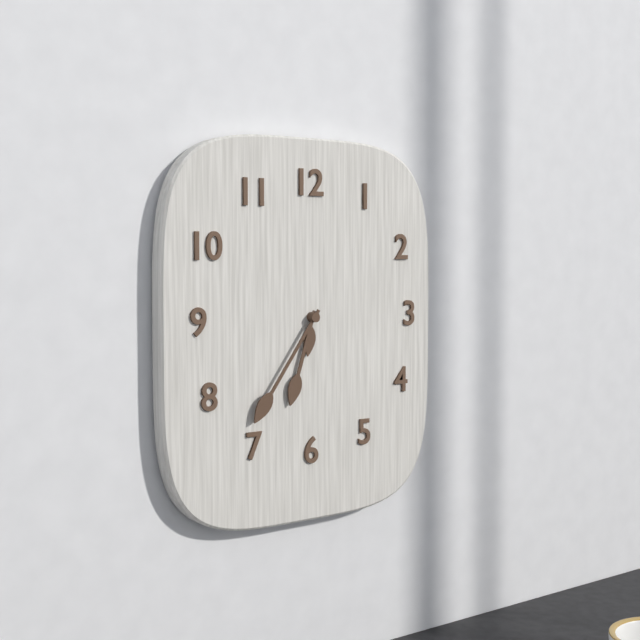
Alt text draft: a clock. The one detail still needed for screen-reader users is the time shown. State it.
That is 6:36
